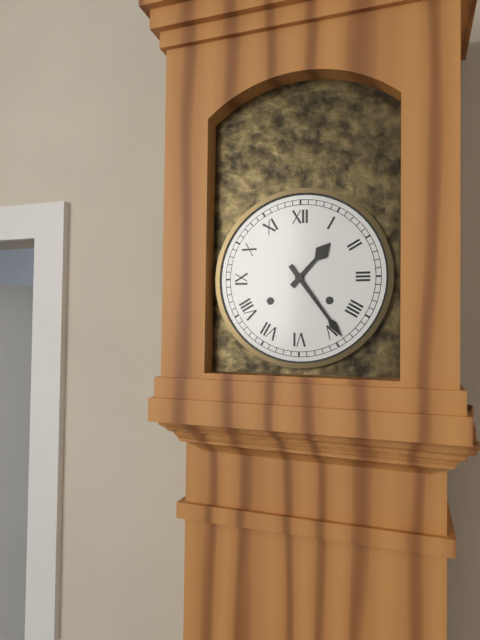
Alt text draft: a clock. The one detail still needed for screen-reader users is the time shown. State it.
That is 1:24
